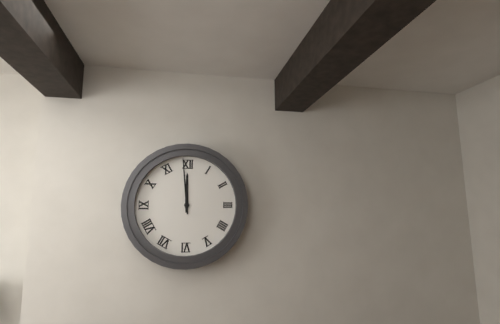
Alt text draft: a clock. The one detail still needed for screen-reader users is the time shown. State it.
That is 11:59
